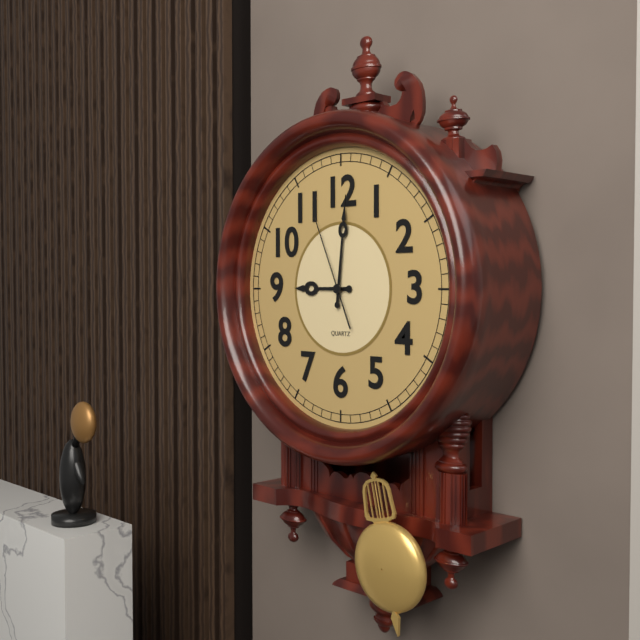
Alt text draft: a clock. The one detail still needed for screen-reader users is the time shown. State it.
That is 9:01:56
